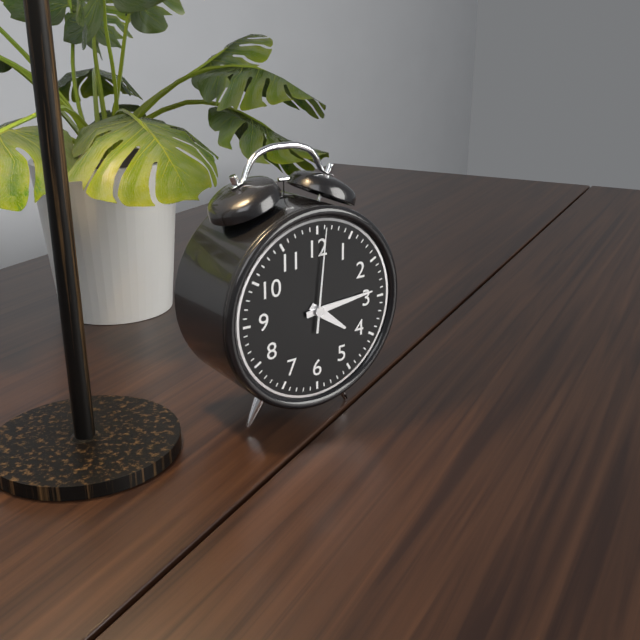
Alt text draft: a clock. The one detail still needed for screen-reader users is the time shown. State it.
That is 4:14:01
